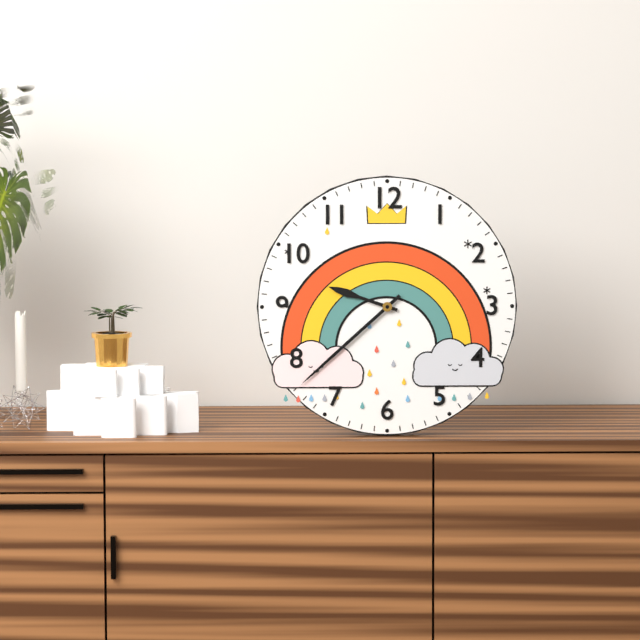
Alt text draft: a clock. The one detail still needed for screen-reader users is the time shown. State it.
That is 9:38
